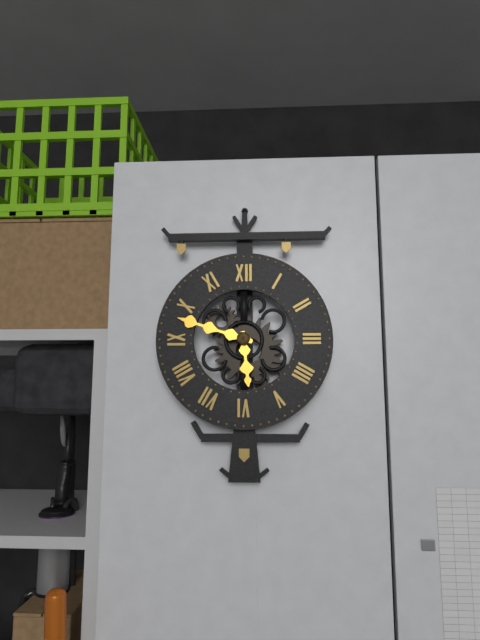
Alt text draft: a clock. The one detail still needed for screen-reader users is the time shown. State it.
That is 5:48
